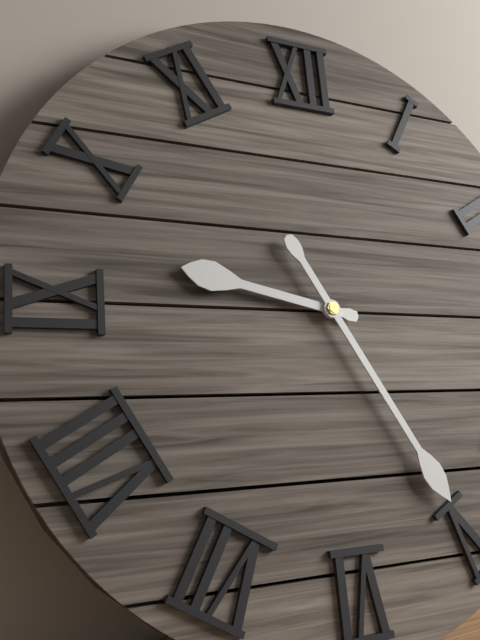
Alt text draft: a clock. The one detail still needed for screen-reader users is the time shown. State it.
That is 9:25
